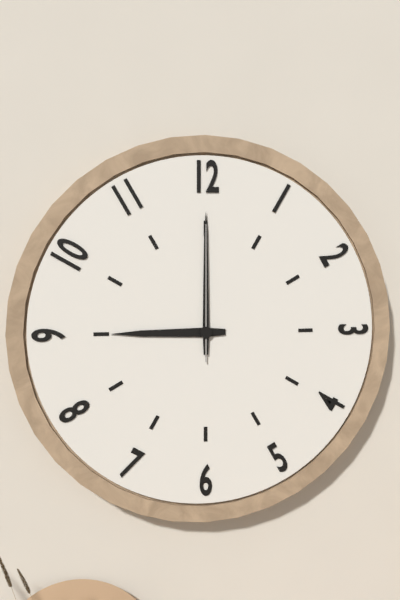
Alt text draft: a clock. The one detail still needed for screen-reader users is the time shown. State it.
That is 9:00:00
